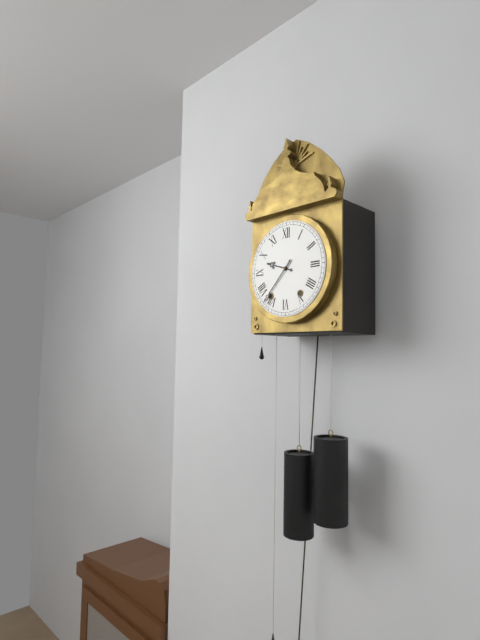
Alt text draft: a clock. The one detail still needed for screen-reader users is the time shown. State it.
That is 9:37
